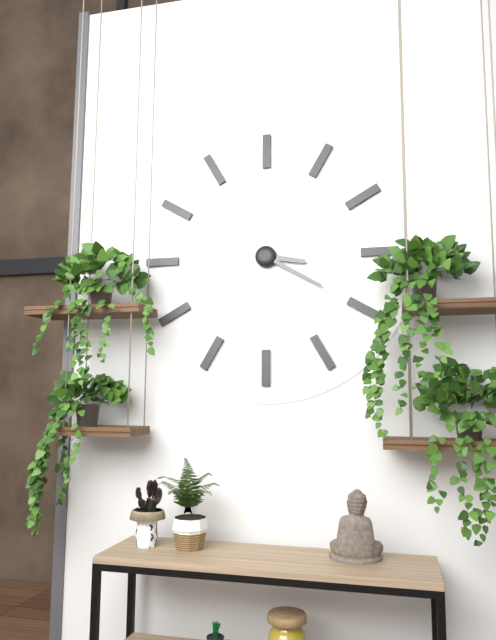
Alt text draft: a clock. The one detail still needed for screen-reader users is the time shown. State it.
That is 3:20
